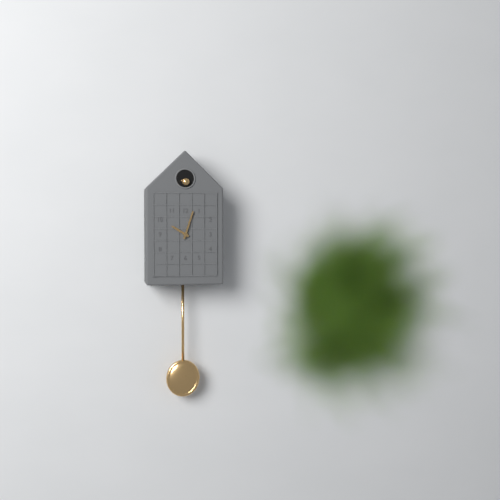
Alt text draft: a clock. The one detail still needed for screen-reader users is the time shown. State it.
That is 10:03
